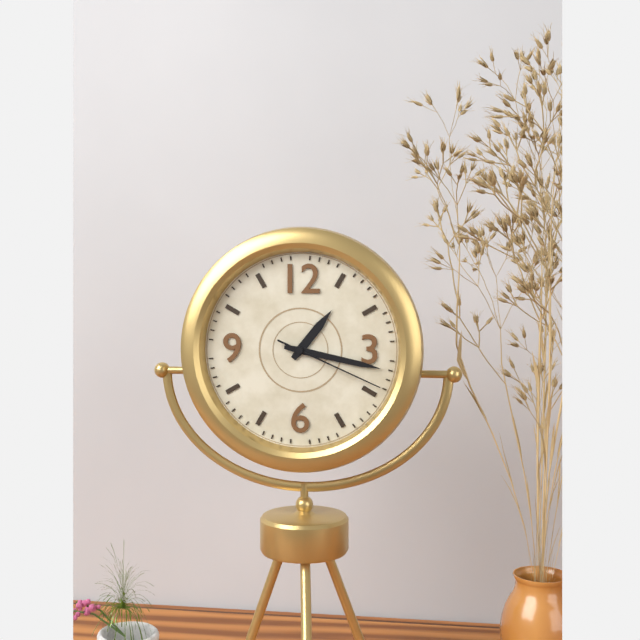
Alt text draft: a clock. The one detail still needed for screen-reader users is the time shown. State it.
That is 1:17:19
